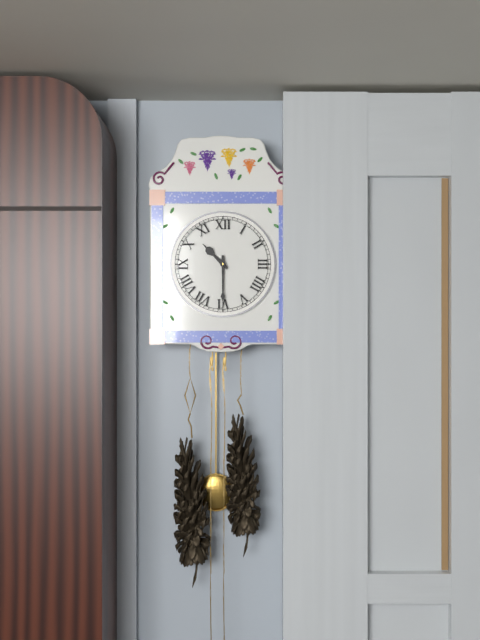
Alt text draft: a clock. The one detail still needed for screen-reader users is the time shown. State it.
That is 10:30
